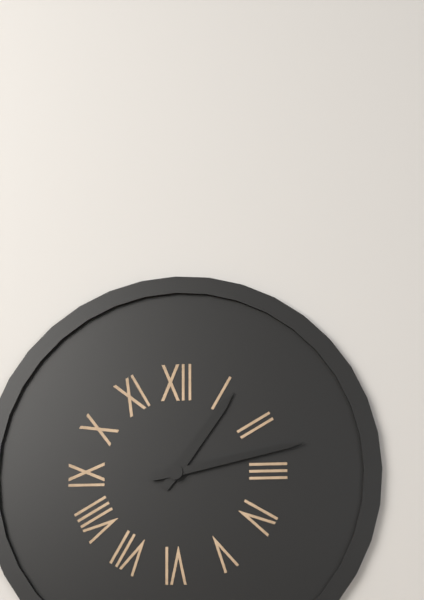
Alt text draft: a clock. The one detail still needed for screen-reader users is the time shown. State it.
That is 1:13
